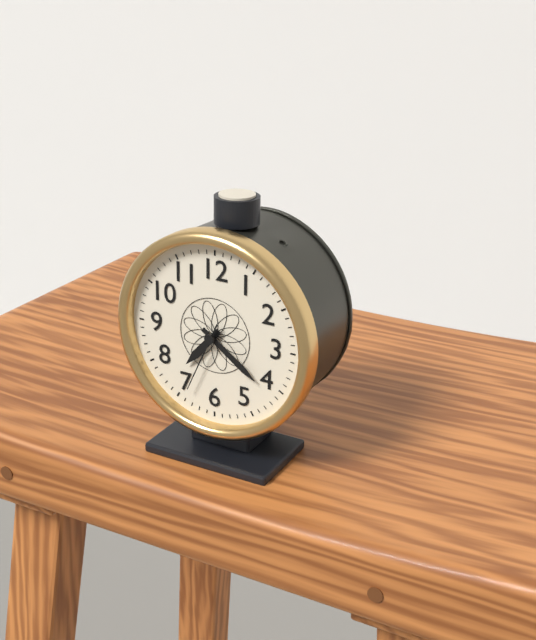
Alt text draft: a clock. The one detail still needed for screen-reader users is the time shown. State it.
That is 7:21:34
